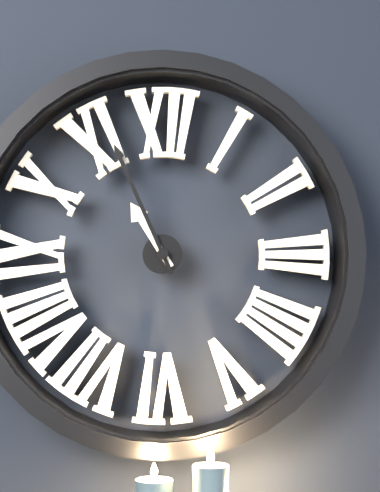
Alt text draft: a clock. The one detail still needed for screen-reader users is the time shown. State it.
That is 10:56
